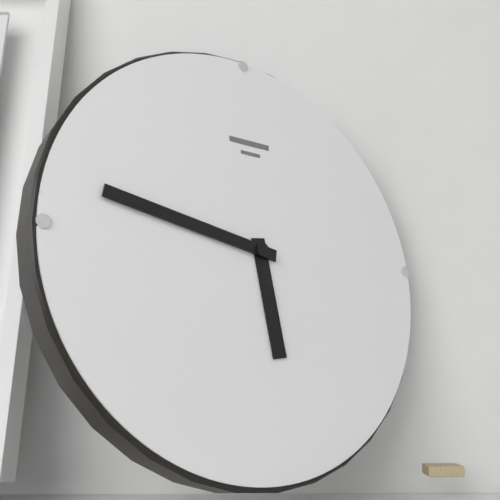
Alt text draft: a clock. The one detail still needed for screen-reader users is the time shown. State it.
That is 5:47
